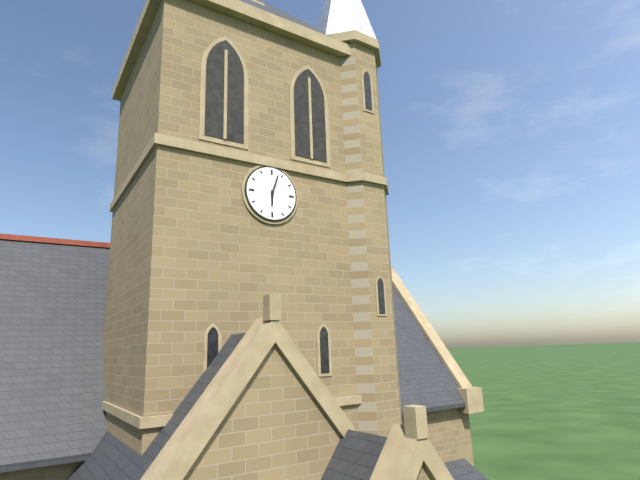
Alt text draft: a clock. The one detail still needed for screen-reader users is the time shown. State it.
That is 6:03
